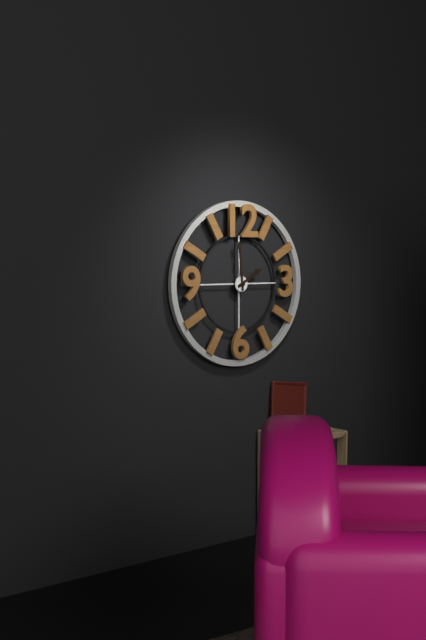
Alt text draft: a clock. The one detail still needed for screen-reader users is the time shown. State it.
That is 1:59
